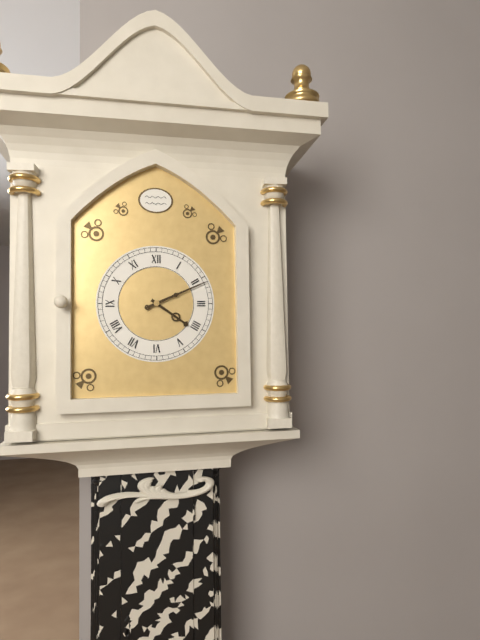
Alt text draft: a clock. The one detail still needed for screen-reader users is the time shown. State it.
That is 4:11
